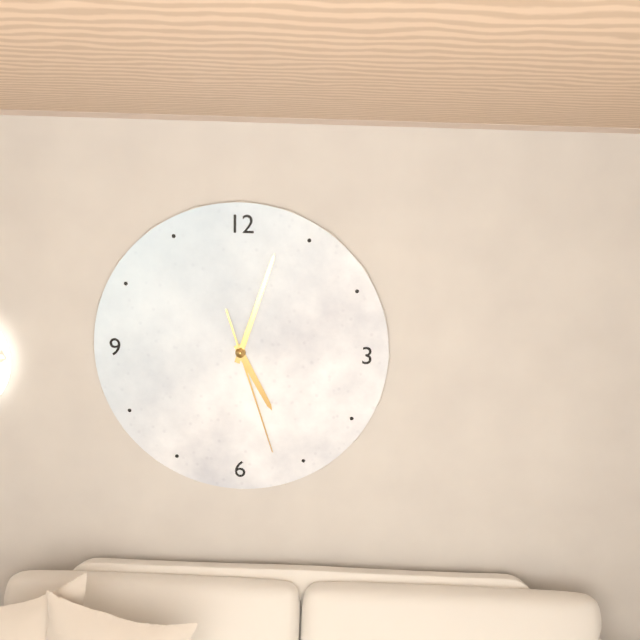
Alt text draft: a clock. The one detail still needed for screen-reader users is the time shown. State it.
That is 5:03:27
